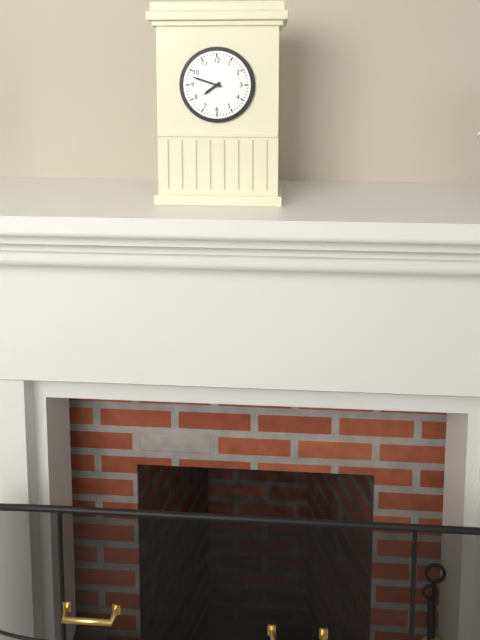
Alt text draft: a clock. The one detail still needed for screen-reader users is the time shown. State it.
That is 7:48
